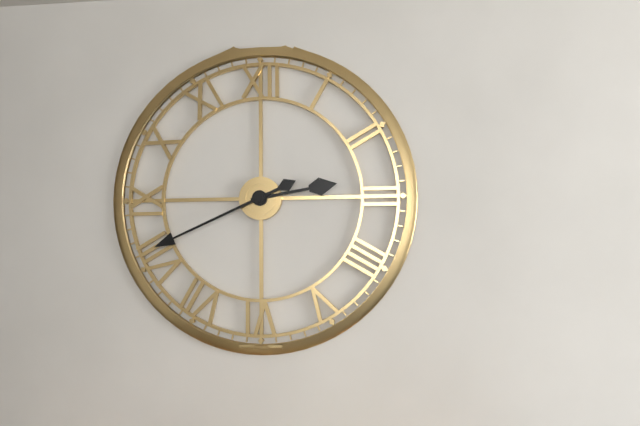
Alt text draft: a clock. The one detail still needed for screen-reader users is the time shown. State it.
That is 2:41
